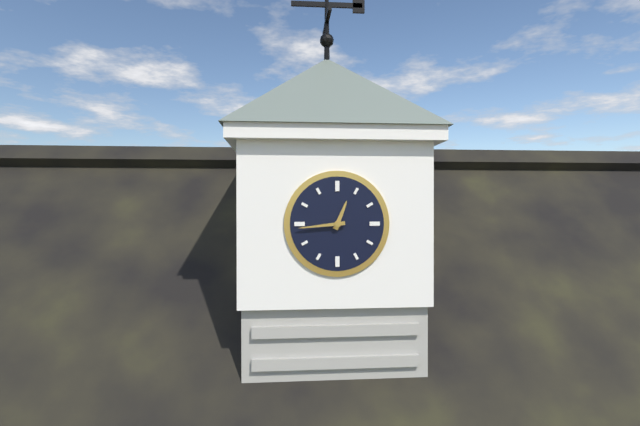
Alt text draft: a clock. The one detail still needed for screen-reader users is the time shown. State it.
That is 12:44
